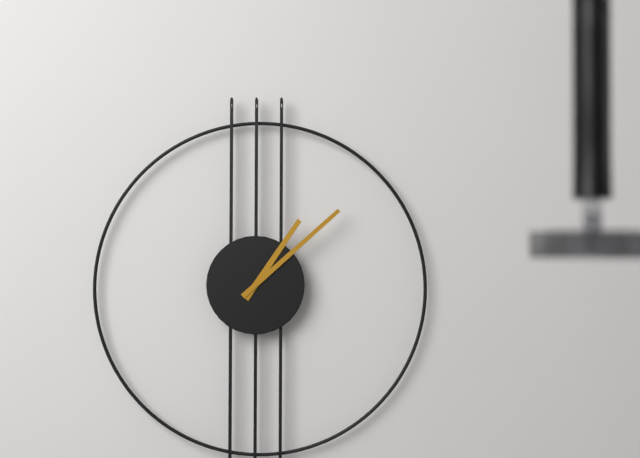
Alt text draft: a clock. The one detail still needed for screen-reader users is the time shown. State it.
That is 1:08
